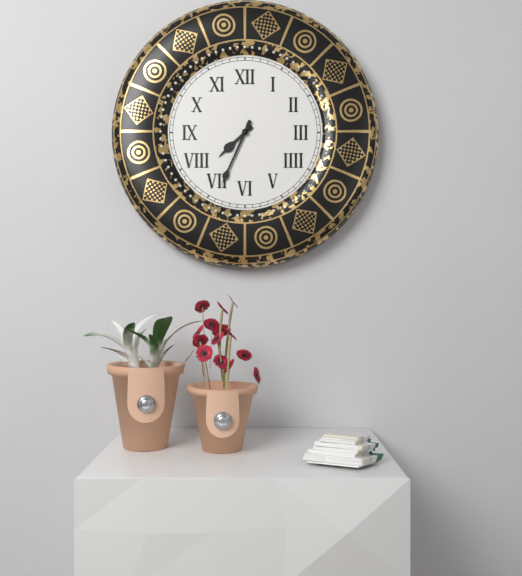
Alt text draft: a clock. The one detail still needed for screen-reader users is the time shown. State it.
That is 7:34
